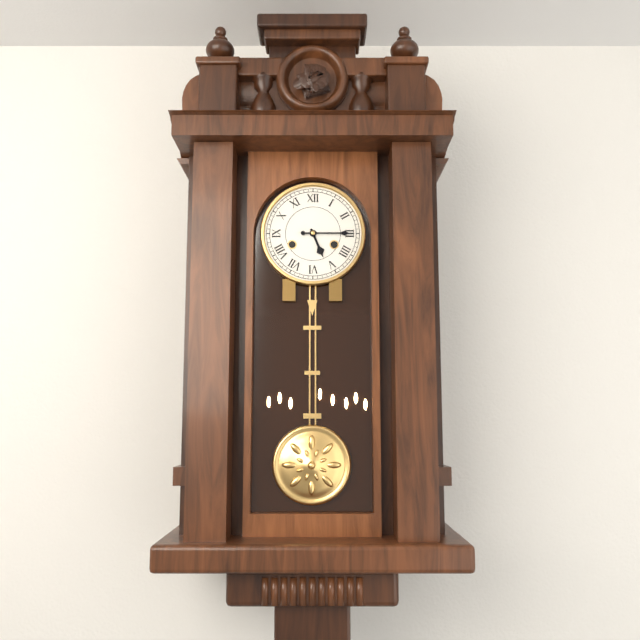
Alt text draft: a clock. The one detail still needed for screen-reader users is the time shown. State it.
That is 5:15
